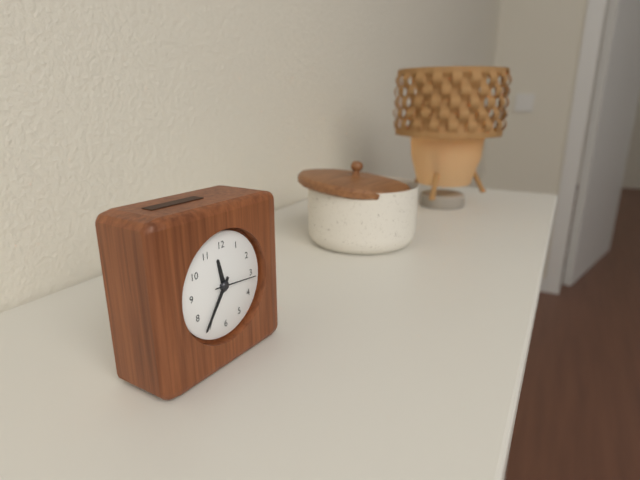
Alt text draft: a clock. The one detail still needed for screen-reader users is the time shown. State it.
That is 11:36
